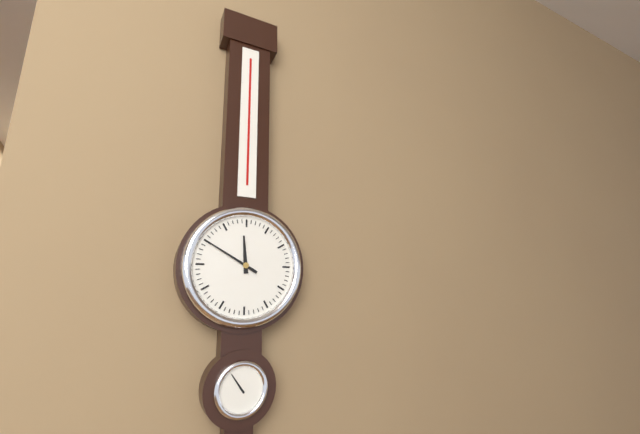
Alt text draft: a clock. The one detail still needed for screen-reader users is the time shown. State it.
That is 11:50
